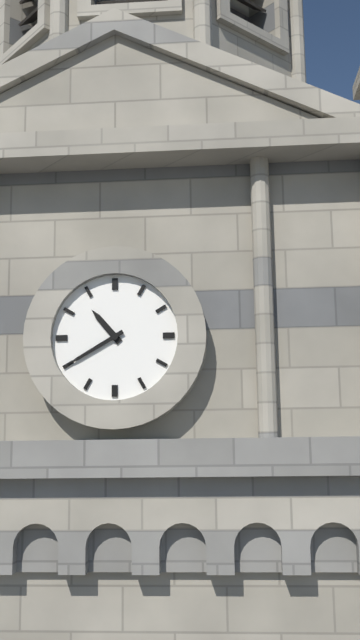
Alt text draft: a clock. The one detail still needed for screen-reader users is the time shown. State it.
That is 10:40
